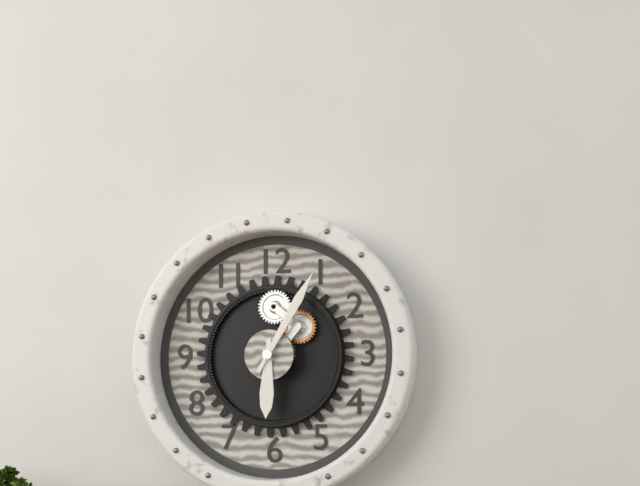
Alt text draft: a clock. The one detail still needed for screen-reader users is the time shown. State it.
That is 6:05
